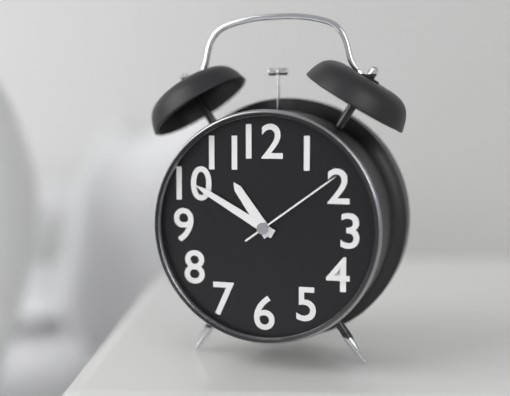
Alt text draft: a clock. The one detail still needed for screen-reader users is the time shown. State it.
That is 10:50:09
